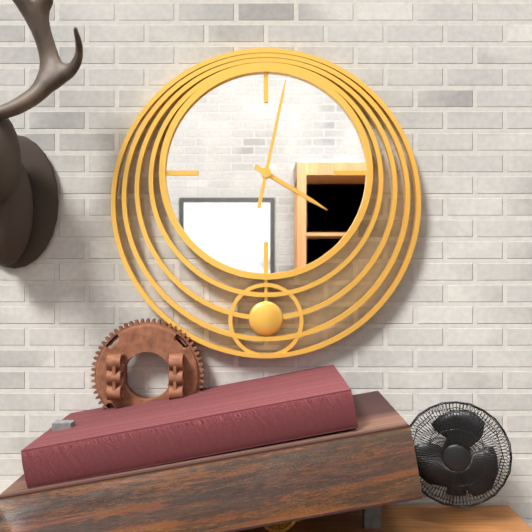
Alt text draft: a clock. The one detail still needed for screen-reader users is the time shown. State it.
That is 4:02
